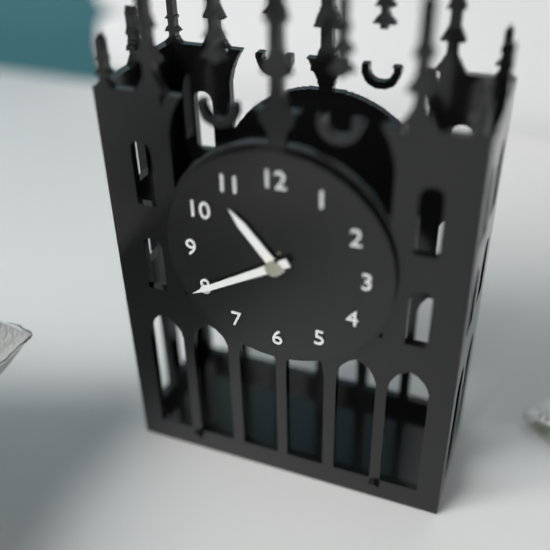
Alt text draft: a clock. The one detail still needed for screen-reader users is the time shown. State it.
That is 10:40
